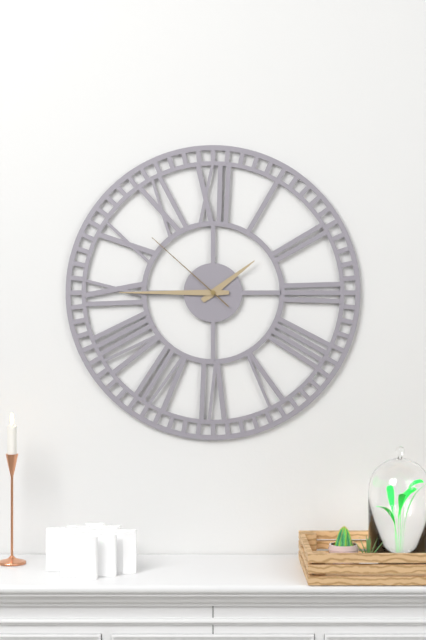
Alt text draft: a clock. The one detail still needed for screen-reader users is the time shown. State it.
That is 1:45:52
